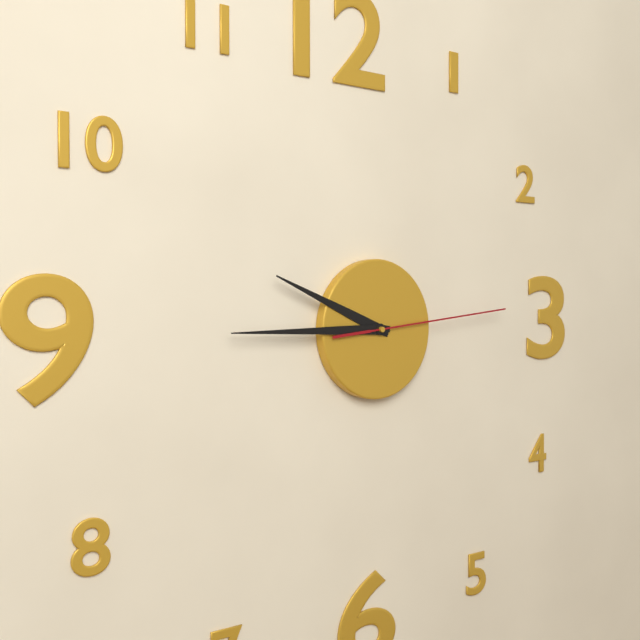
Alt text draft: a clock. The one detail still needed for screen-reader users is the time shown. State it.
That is 9:45:14
